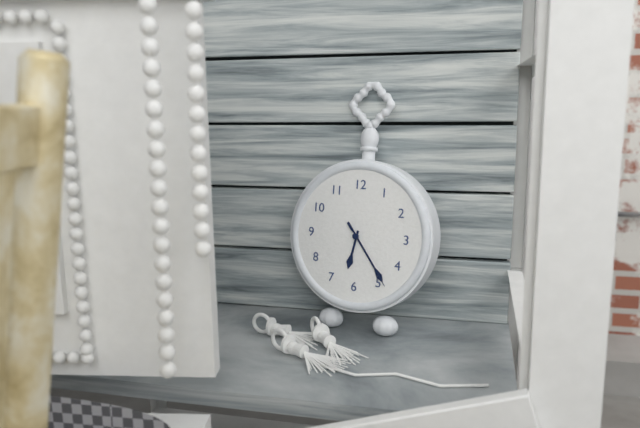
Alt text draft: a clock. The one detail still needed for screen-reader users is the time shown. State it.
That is 6:24:24
